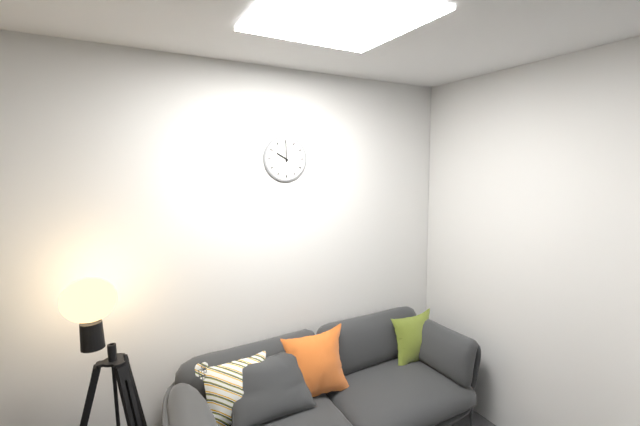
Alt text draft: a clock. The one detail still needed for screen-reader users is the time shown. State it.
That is 10:00
